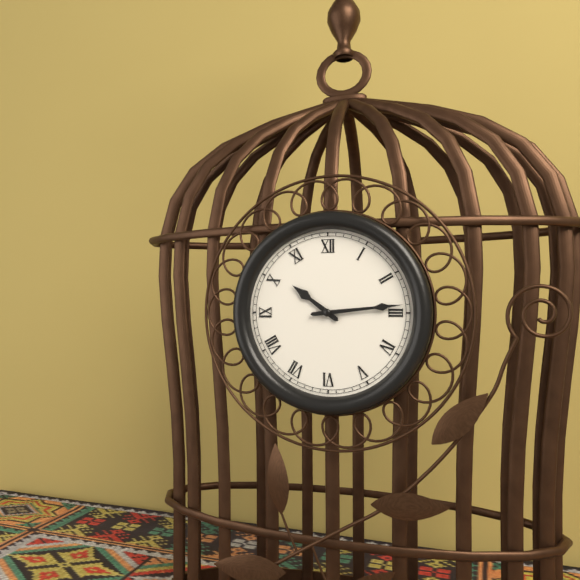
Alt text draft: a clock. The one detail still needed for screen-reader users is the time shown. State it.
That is 10:14
